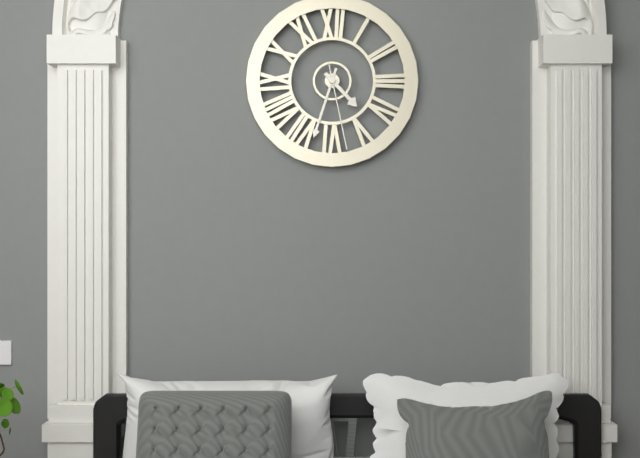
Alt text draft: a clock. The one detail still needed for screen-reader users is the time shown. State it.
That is 4:33:28
